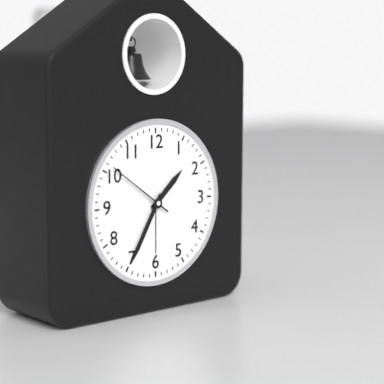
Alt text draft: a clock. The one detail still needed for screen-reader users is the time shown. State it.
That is 1:35:51
